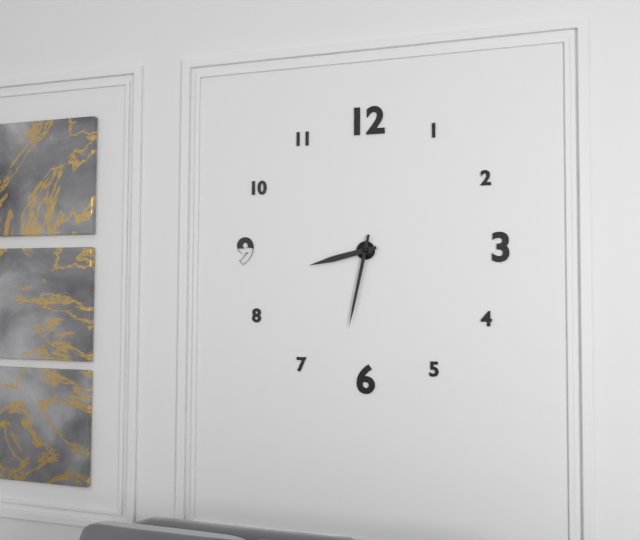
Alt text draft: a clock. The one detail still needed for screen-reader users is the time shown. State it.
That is 8:32
